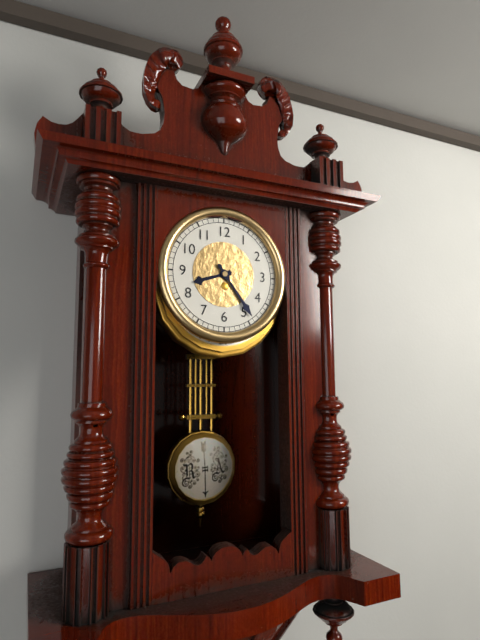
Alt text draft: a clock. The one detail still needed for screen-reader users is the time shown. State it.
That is 8:24
